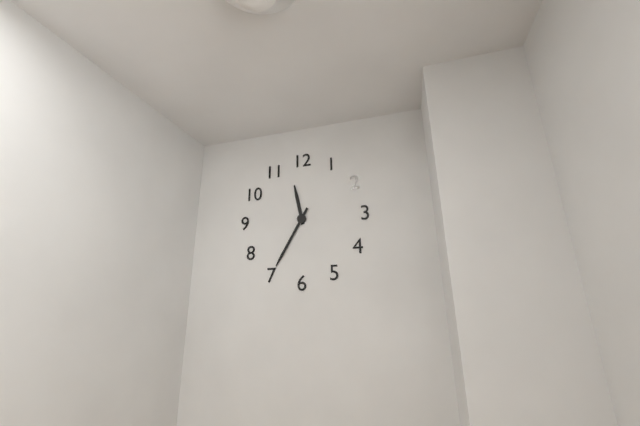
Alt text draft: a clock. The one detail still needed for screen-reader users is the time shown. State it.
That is 11:35
